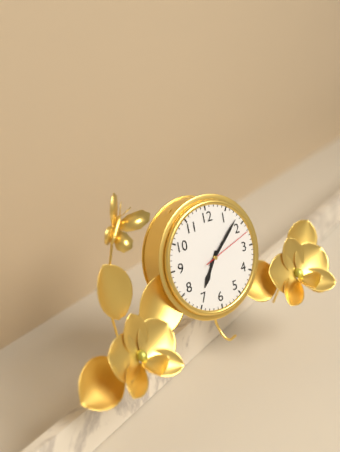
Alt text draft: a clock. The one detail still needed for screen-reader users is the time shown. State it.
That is 7:08:12
